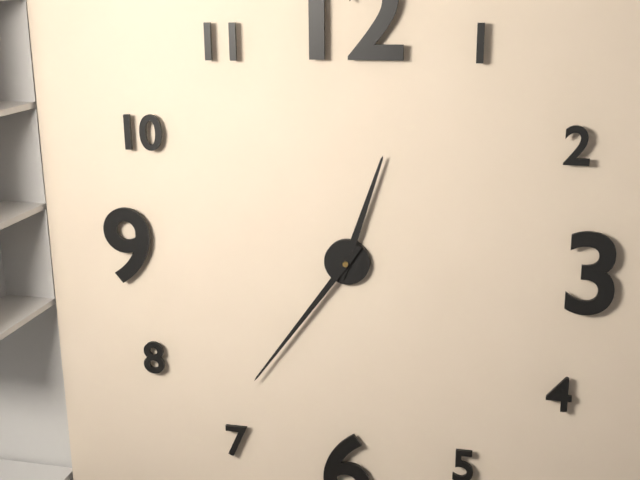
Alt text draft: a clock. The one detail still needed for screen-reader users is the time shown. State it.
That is 12:36
